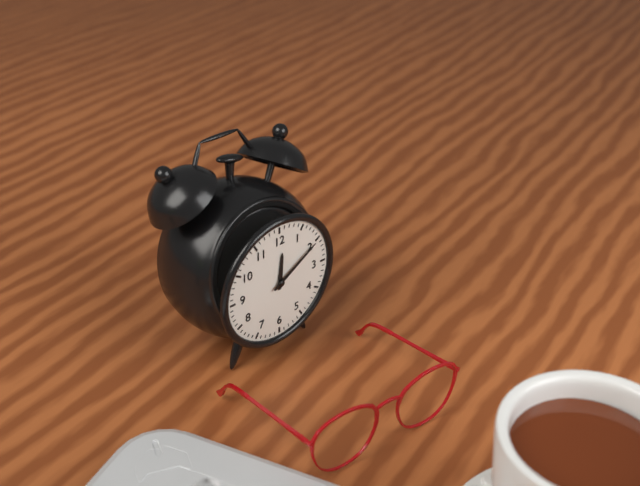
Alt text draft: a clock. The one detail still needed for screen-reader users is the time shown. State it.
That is 12:10
